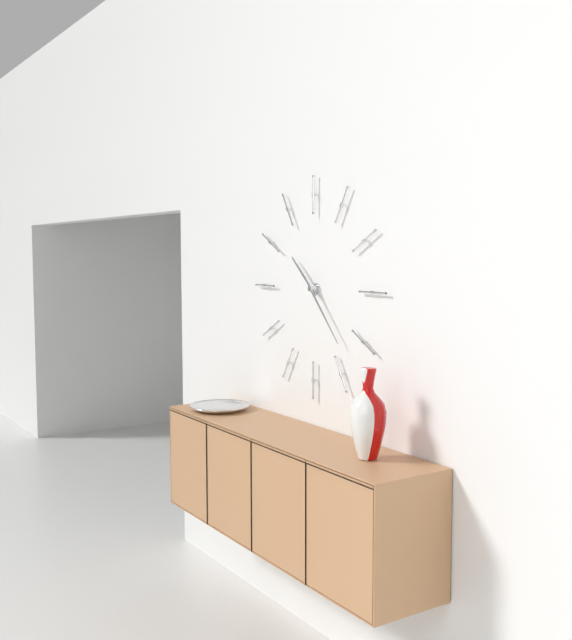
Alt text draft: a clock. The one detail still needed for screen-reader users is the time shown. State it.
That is 10:23
